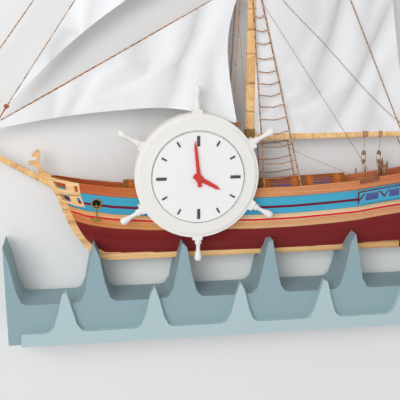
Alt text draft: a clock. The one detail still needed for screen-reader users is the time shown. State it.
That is 3:59
